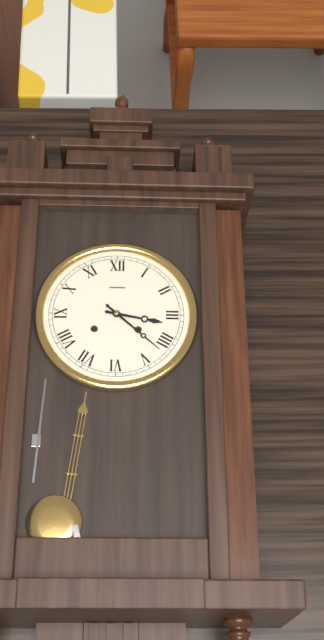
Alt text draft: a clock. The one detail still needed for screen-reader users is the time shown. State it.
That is 3:22
